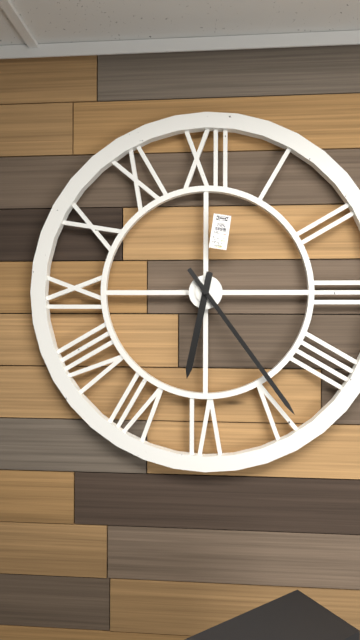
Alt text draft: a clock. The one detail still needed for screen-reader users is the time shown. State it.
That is 6:24
